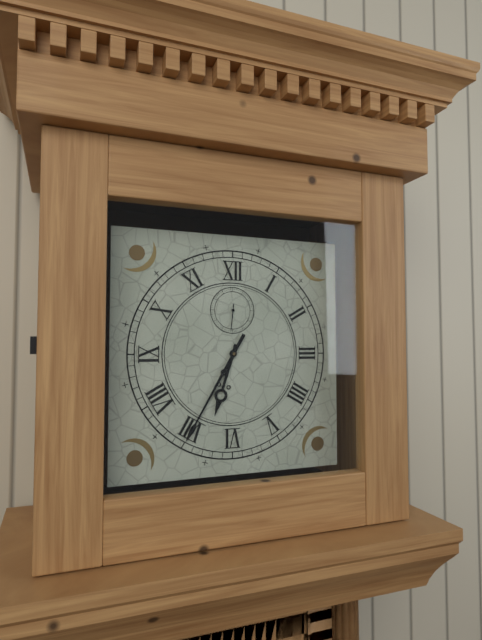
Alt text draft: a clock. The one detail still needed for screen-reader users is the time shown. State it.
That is 6:35
